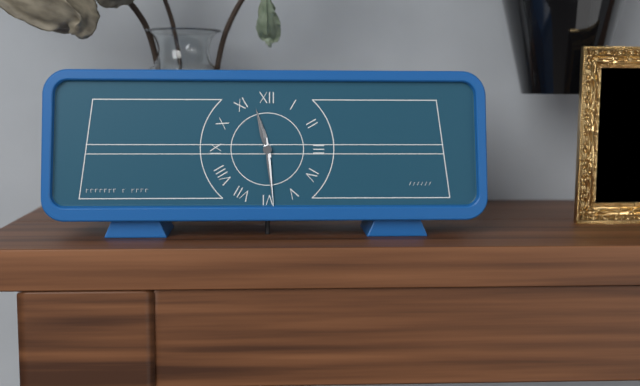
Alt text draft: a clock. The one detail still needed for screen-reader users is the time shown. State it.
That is 11:29
